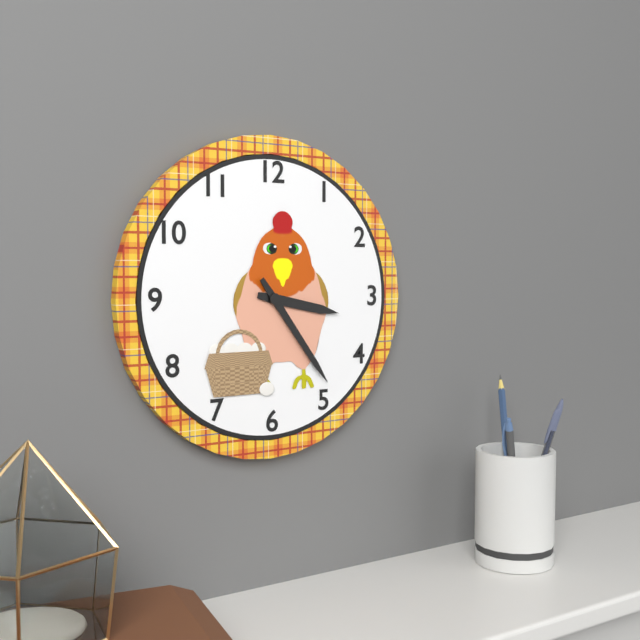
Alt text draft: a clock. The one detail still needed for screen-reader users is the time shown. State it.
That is 3:24
